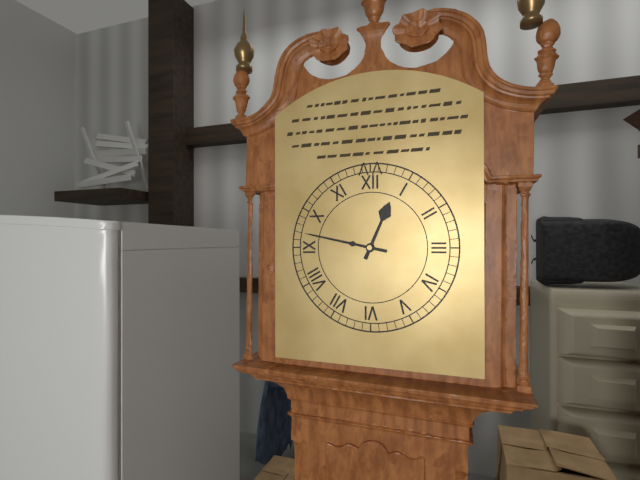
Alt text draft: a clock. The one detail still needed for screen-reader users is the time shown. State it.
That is 12:47
